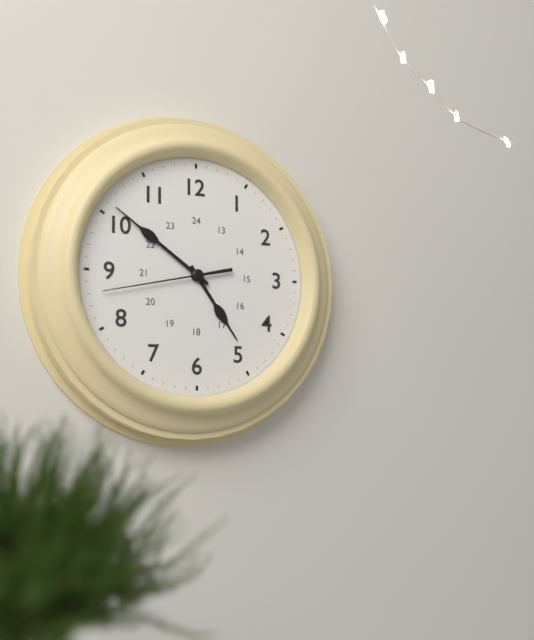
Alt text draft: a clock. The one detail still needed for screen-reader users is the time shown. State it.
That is 4:51:43
